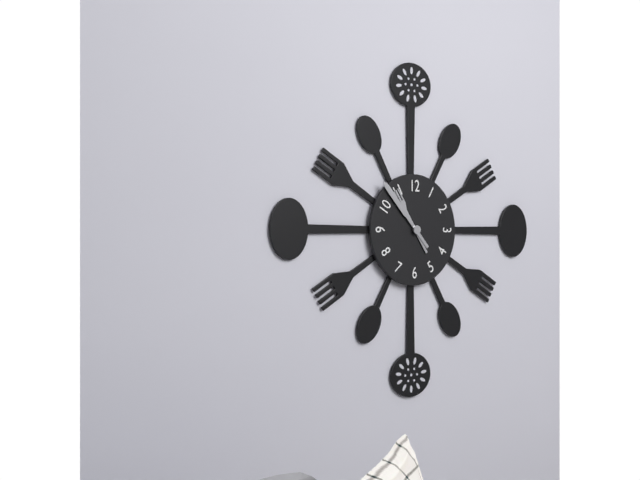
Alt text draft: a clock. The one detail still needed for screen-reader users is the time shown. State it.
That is 10:53
